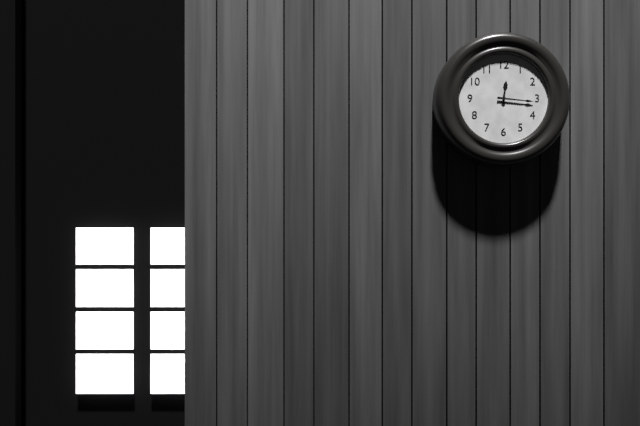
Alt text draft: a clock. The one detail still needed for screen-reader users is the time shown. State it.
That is 12:16
